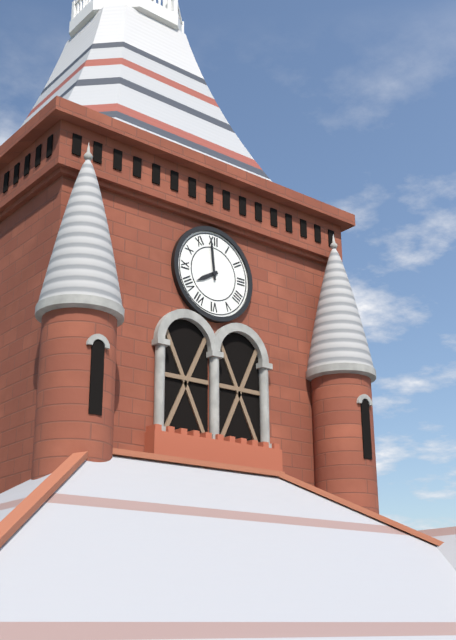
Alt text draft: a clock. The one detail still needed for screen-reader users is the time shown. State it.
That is 7:59
